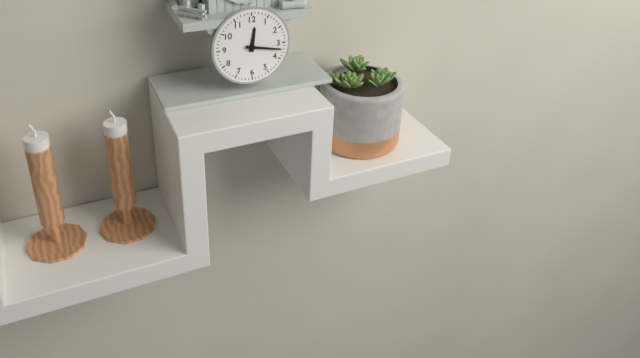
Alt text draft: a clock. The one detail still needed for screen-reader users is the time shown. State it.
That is 12:17
